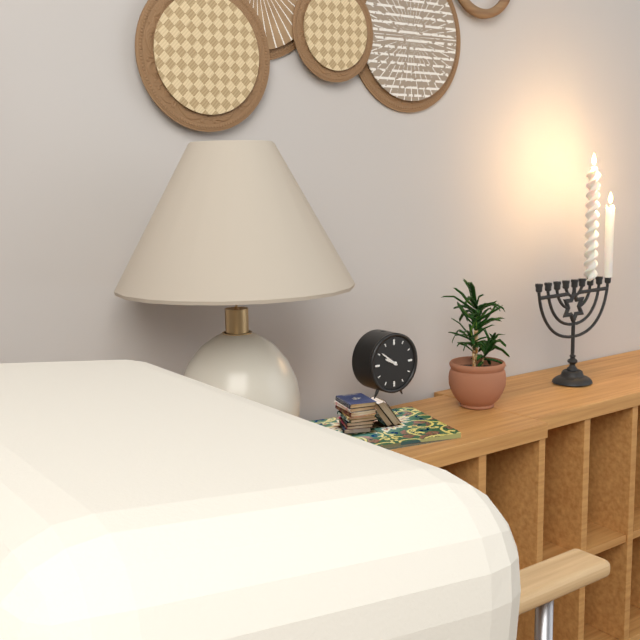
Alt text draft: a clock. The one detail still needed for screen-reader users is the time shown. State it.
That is 9:51
